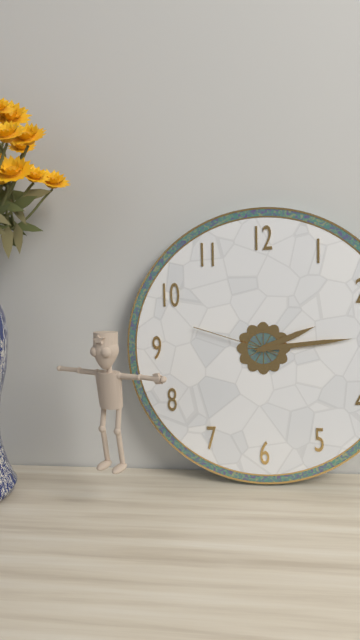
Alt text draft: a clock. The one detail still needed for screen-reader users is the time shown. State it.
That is 2:14:48
